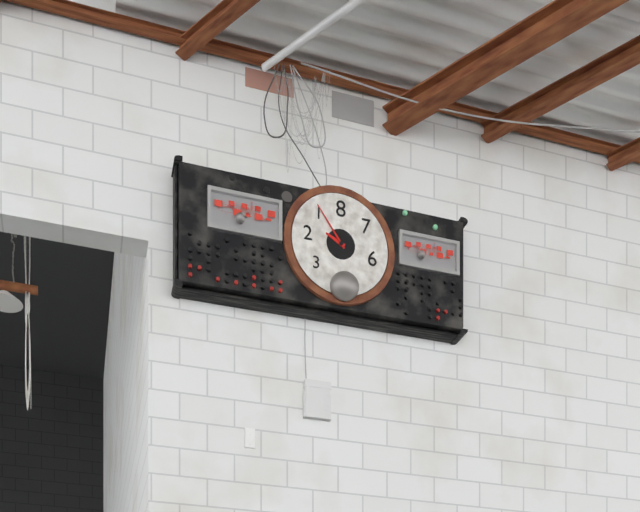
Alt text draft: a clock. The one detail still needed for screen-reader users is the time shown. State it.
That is 9:54
